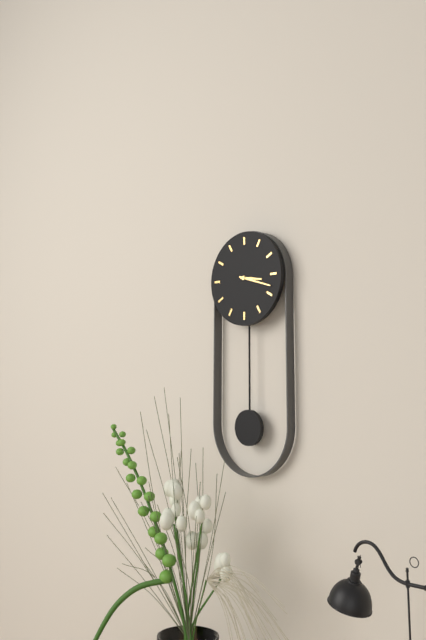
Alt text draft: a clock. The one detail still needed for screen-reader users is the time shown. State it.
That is 3:18
